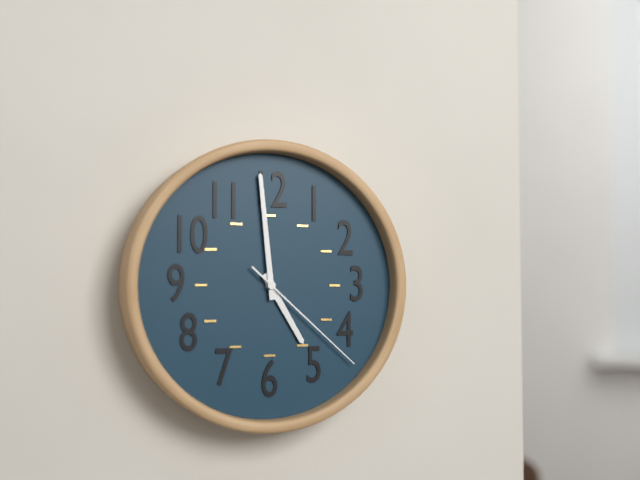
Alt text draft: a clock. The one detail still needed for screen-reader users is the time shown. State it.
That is 4:59:22
